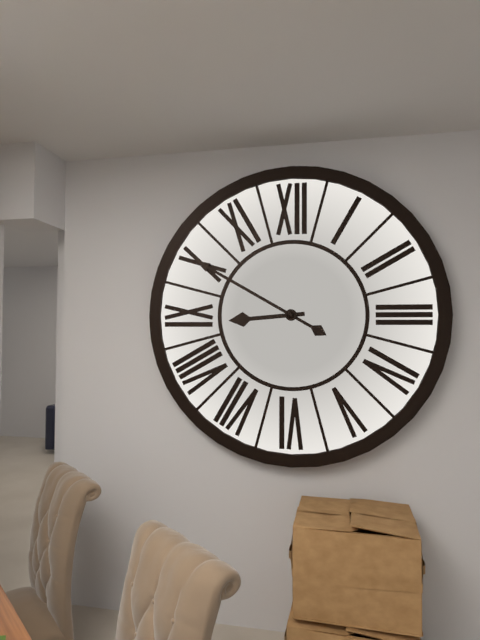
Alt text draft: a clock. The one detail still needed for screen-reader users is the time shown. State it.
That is 8:50
